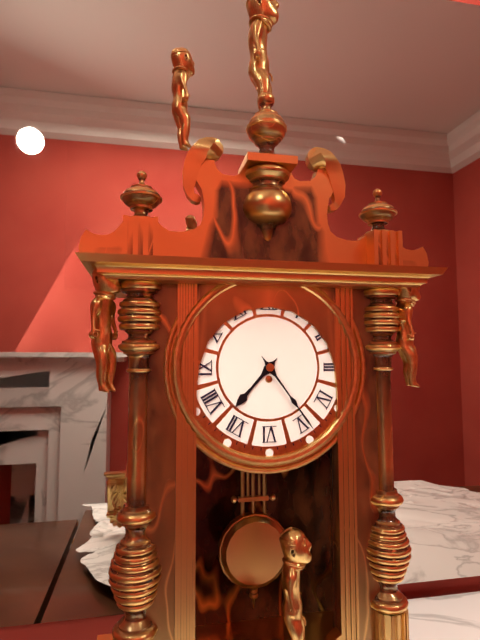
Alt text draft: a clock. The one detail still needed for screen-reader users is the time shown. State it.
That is 7:24
